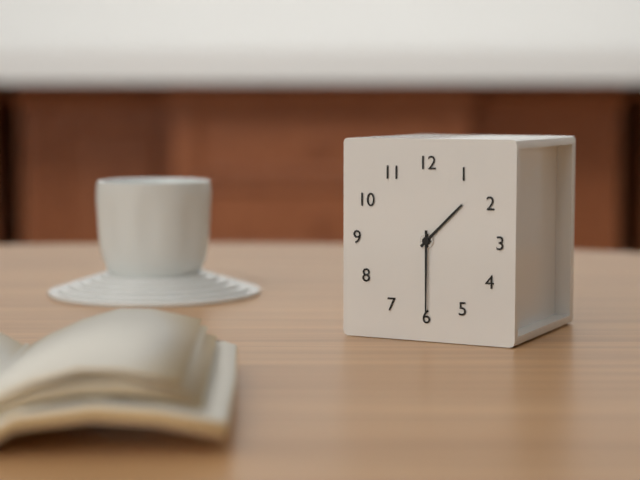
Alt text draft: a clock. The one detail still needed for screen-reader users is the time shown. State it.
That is 1:30
